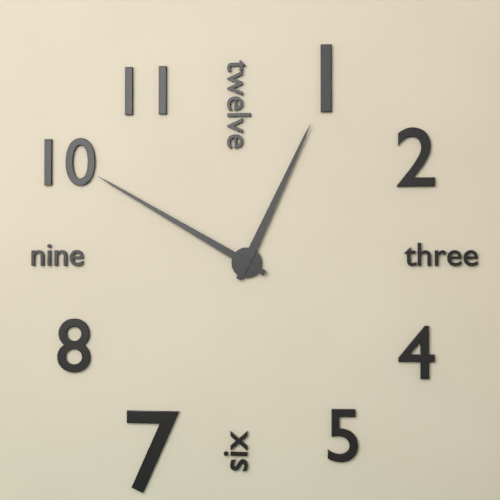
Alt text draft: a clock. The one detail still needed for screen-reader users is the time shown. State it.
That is 12:50
